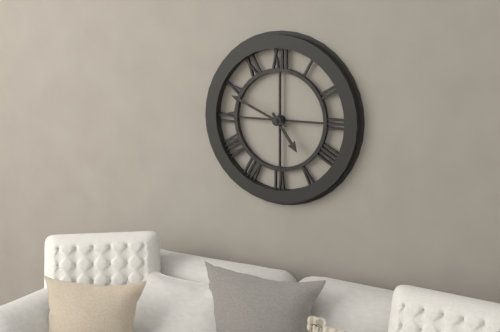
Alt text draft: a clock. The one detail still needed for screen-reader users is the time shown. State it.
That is 4:49
